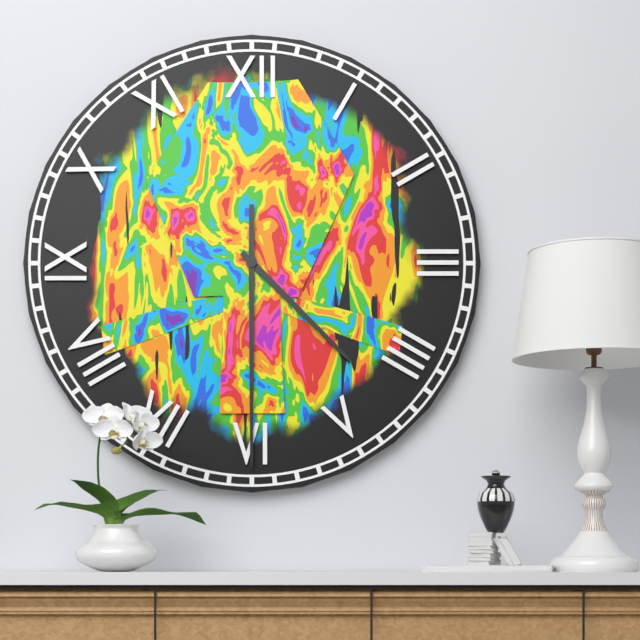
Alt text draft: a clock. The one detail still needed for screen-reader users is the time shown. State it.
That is 4:30
